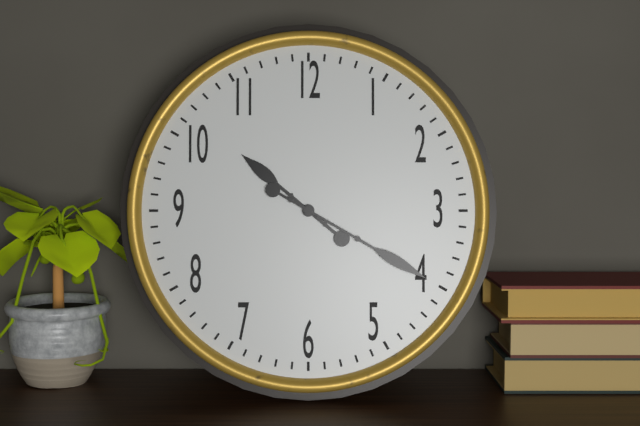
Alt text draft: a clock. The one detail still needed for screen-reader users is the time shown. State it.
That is 10:20
